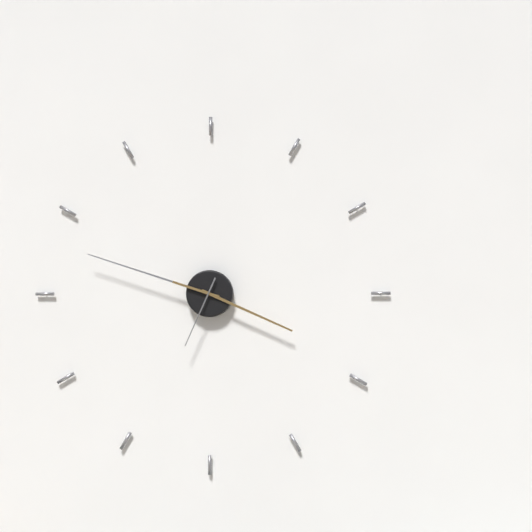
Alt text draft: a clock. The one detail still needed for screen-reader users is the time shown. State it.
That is 3:48:34
